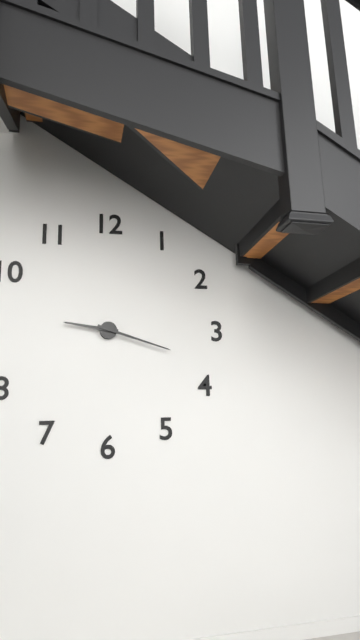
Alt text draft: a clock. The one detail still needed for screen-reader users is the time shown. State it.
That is 9:18
